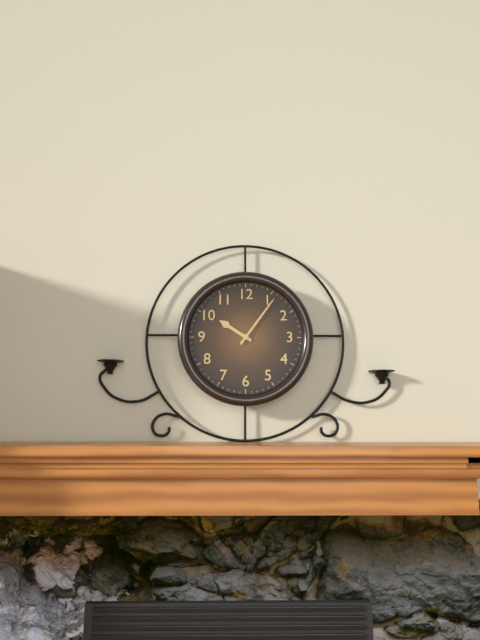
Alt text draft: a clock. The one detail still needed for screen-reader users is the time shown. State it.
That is 10:06
